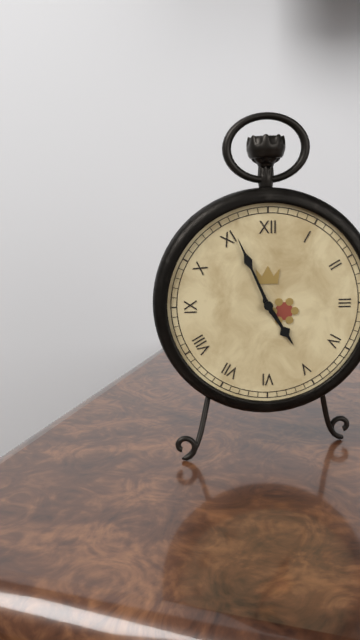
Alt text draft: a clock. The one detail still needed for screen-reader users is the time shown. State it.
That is 4:56
